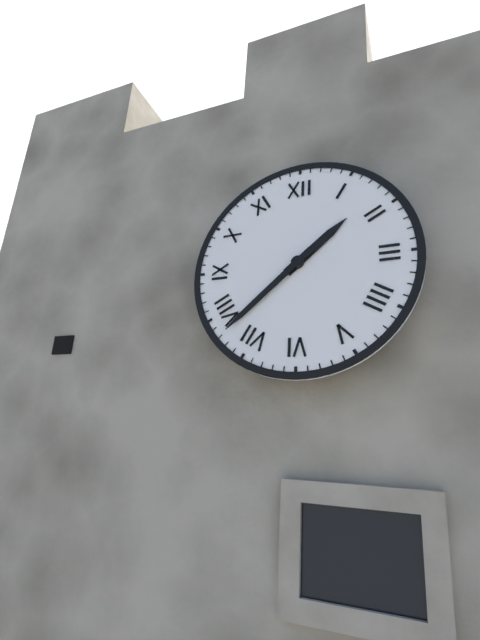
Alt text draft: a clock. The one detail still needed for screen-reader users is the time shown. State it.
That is 1:38
